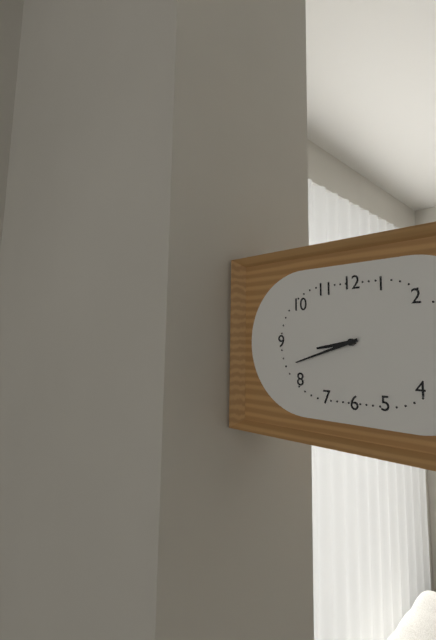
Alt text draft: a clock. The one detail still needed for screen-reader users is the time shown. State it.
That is 8:42
